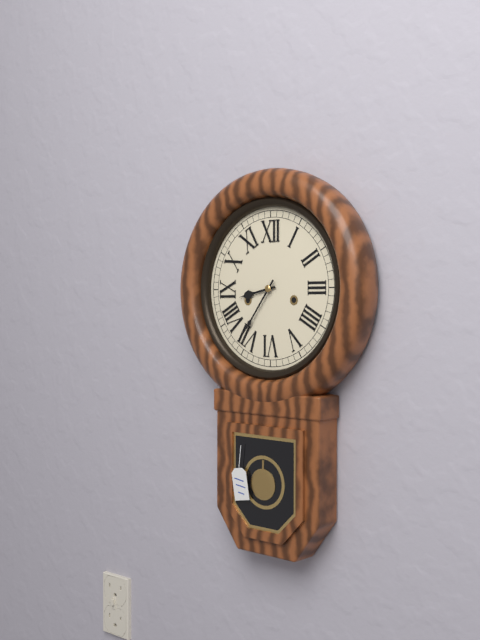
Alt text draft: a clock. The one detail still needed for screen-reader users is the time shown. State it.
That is 8:36
